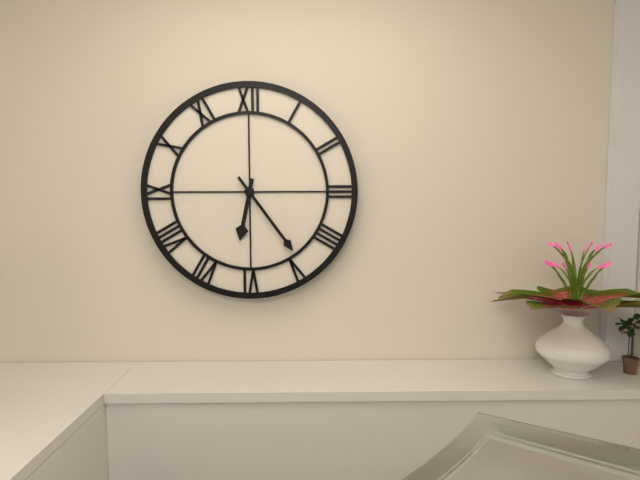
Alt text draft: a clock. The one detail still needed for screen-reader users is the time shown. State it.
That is 6:24
